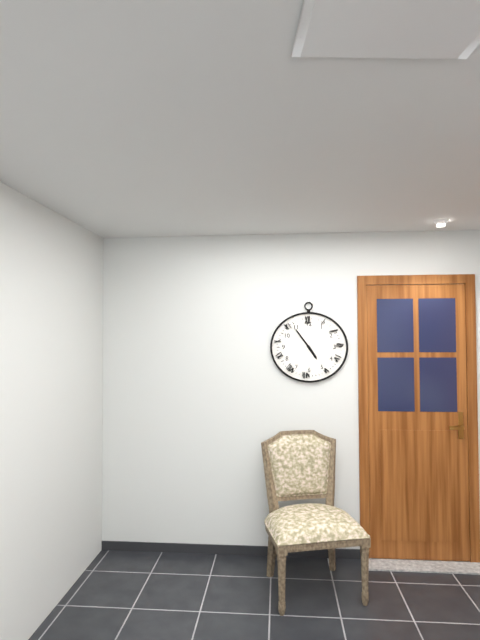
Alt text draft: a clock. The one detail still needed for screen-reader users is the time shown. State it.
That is 4:54
